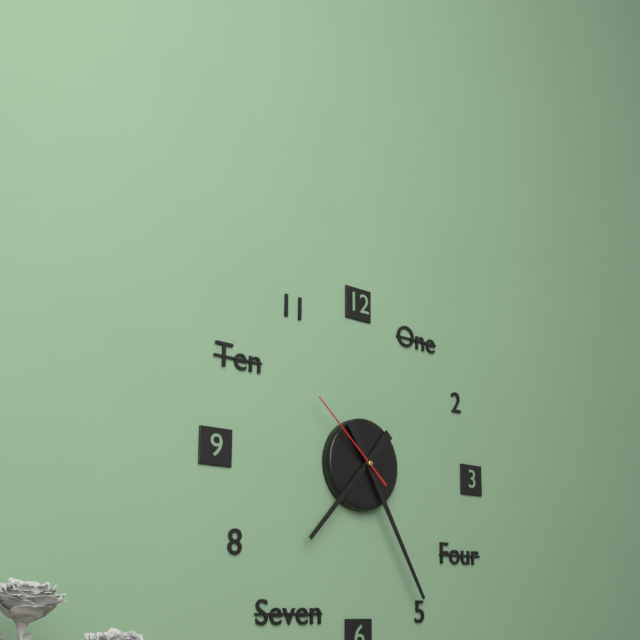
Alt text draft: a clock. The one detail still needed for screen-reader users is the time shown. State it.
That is 7:25:52
